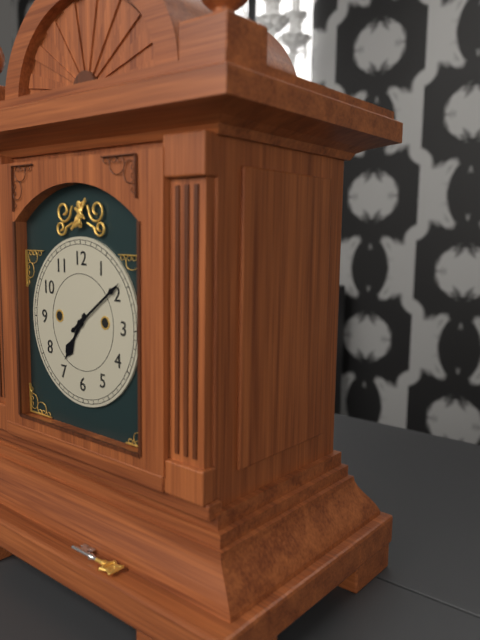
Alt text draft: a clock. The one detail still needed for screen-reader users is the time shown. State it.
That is 7:09
